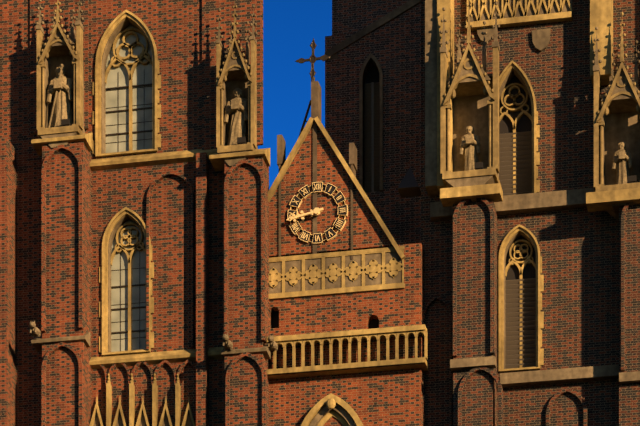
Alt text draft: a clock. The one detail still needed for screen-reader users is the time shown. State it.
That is 8:43
